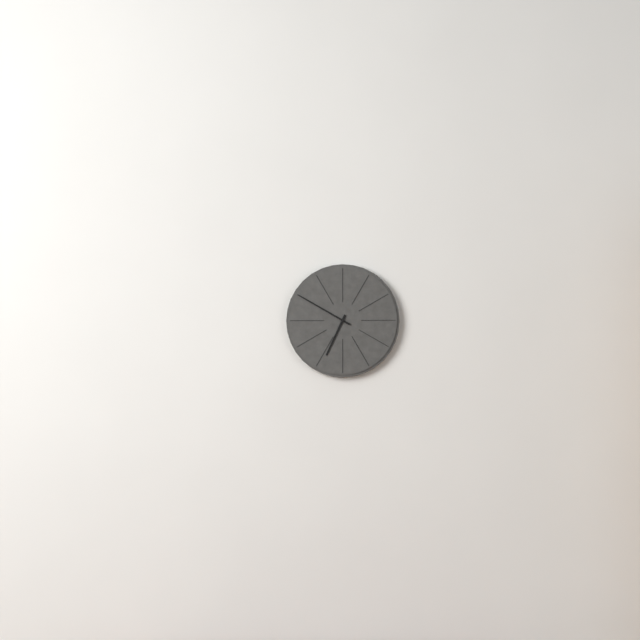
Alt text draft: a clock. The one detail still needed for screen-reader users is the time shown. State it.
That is 6:50
